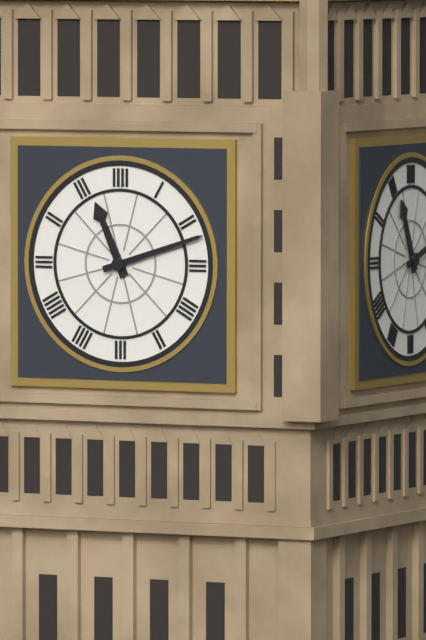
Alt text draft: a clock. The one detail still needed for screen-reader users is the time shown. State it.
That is 11:12
